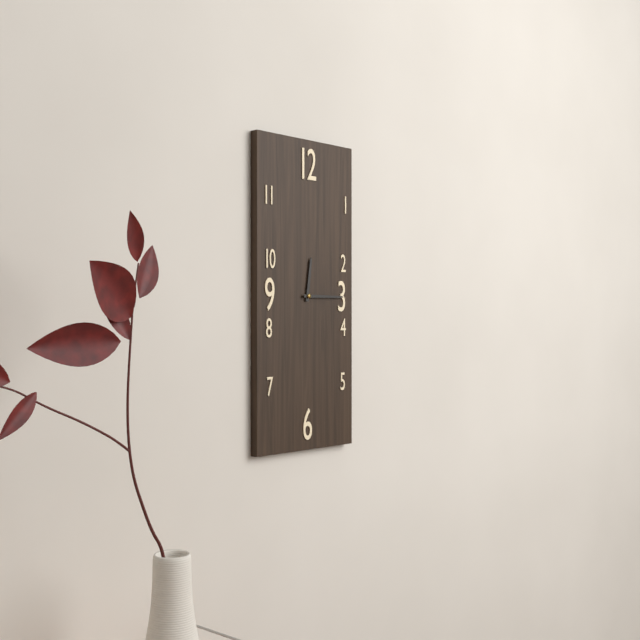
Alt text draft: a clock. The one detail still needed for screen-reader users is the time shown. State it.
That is 12:15
